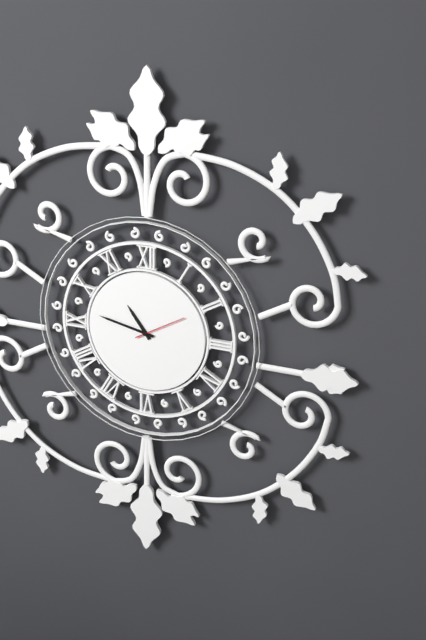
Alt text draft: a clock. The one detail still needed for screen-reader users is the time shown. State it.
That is 10:47
